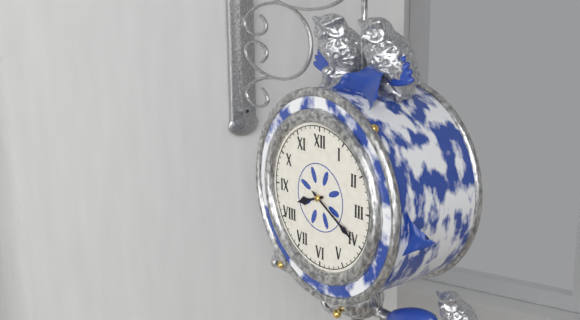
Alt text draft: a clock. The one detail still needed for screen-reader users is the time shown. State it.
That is 8:20
